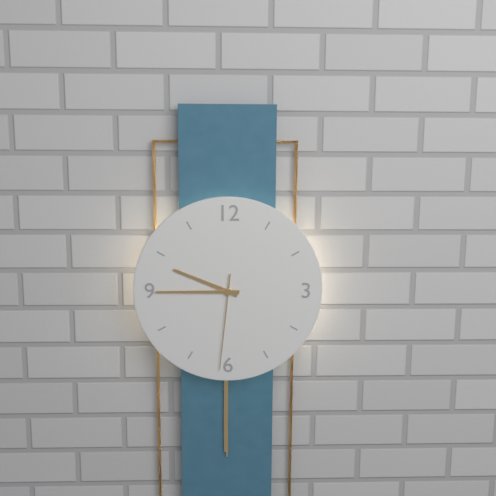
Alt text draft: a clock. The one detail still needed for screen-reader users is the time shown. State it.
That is 9:45:31
